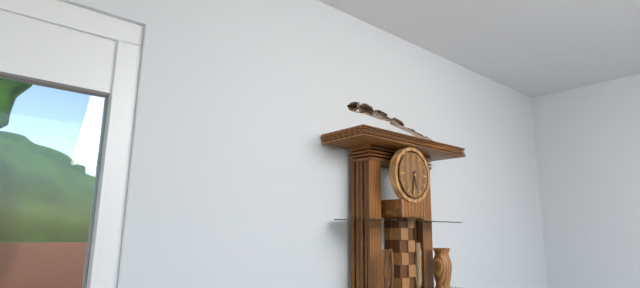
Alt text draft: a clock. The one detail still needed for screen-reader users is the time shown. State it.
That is 5:32
